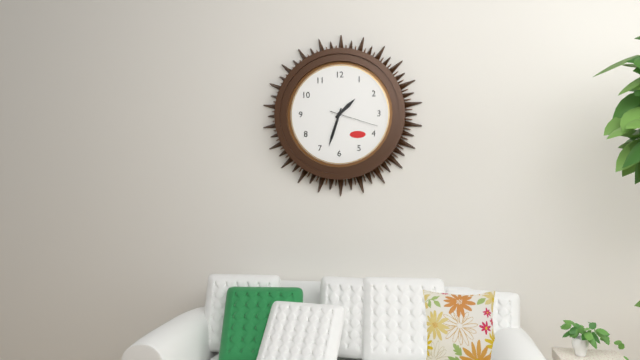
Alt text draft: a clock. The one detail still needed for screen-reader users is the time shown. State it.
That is 1:33:18
